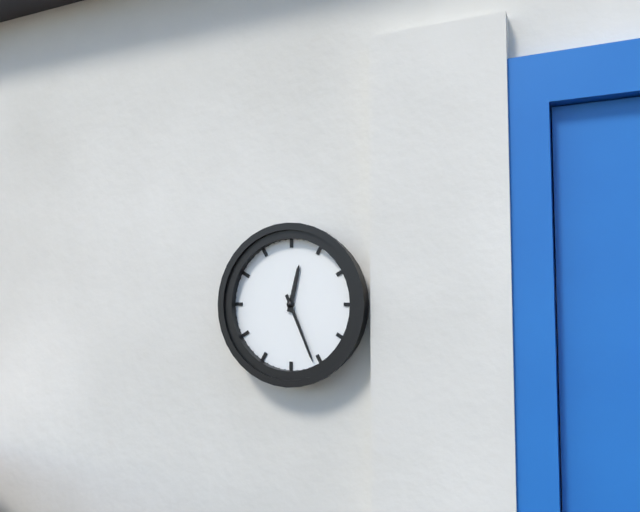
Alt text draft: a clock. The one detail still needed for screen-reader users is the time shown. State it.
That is 12:26
